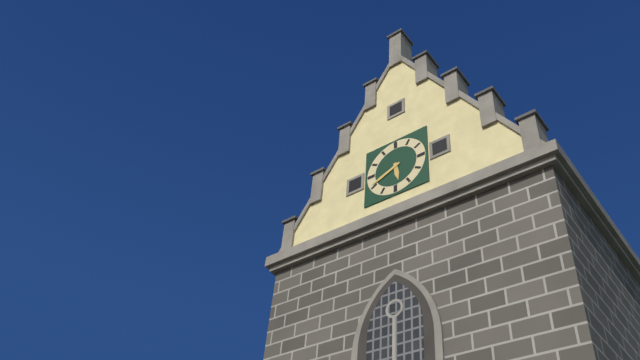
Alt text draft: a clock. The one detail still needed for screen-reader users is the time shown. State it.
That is 5:41
